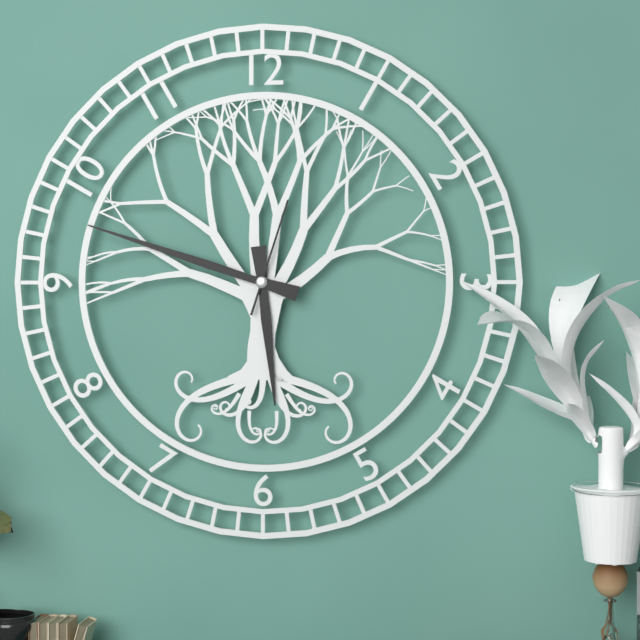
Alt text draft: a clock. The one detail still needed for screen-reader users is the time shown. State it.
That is 5:48:03
